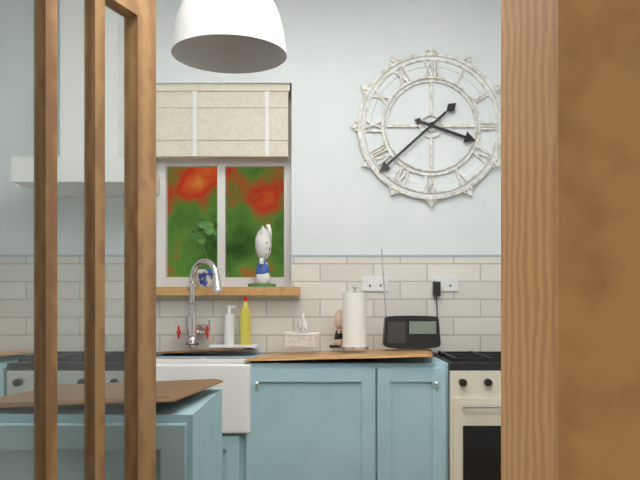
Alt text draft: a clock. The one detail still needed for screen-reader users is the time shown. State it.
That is 3:38
